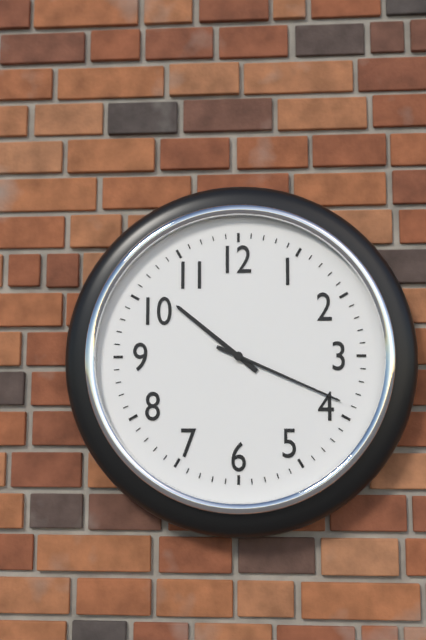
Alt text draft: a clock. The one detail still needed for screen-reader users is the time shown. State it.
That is 10:19
